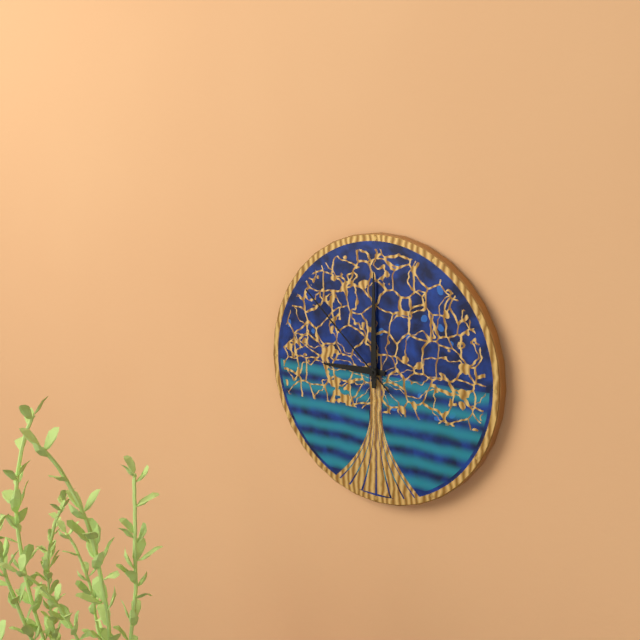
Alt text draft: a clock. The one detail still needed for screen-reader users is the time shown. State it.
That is 9:00:52
